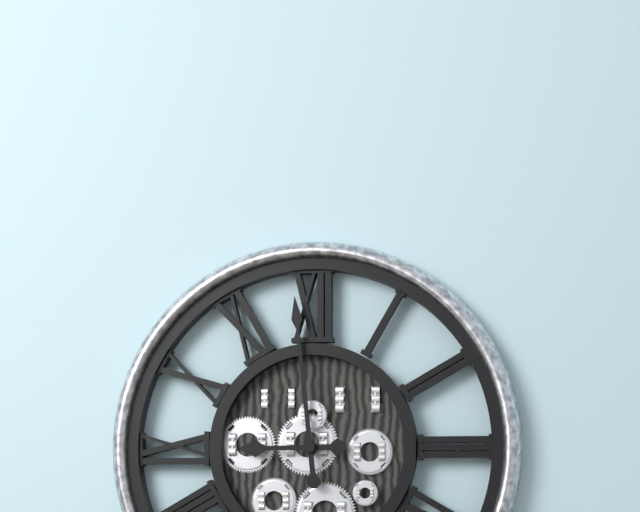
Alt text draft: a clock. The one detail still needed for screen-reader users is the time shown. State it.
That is 8:59
